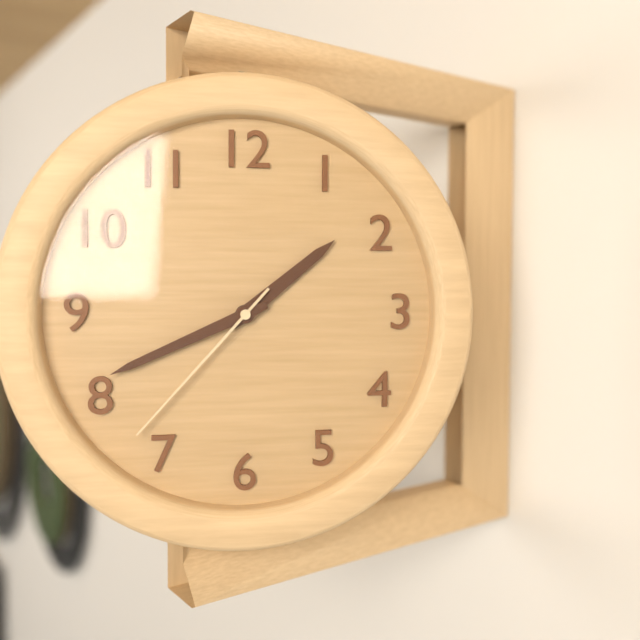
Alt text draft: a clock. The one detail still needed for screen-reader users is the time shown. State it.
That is 1:41:37
